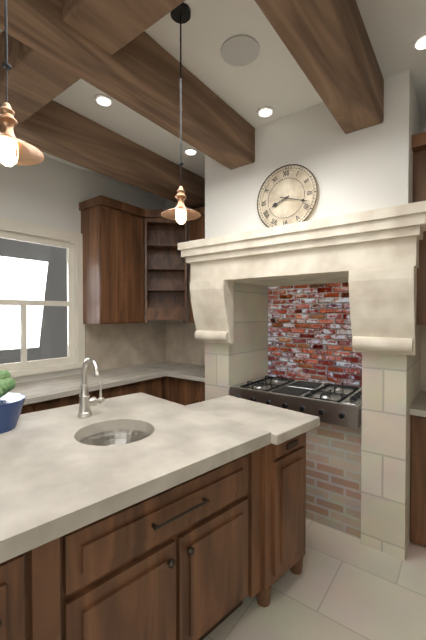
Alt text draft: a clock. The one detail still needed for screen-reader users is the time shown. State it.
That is 8:18
